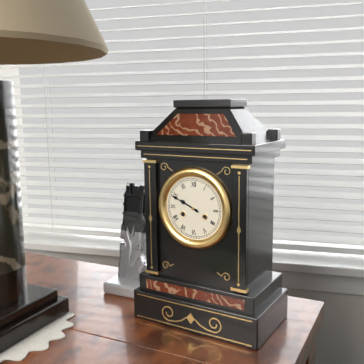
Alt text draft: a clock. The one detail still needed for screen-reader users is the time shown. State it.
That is 9:49
